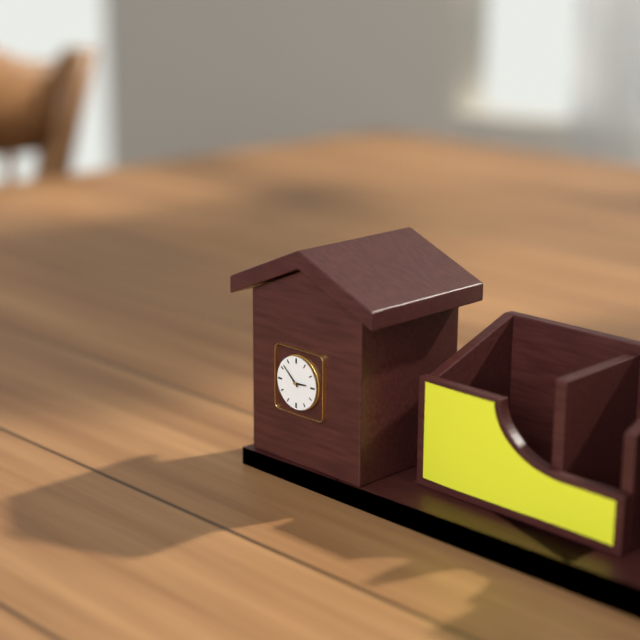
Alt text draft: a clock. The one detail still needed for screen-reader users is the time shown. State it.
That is 2:52
